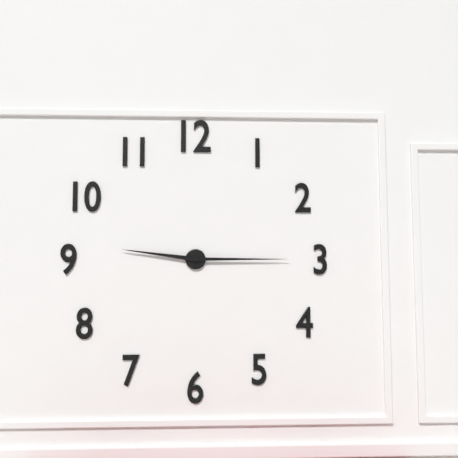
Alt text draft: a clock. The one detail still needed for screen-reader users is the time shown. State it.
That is 9:15
